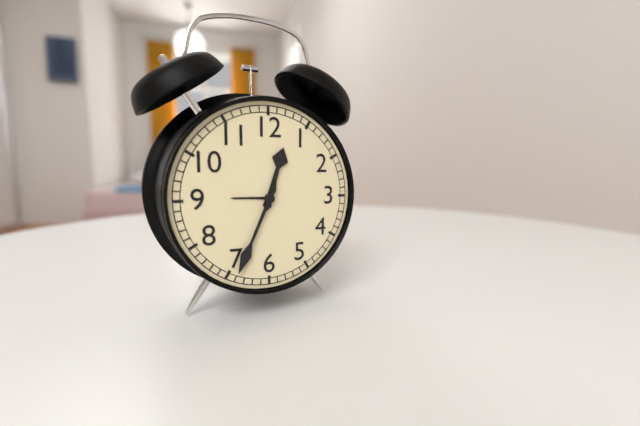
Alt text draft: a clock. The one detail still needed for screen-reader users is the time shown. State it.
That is 12:34
